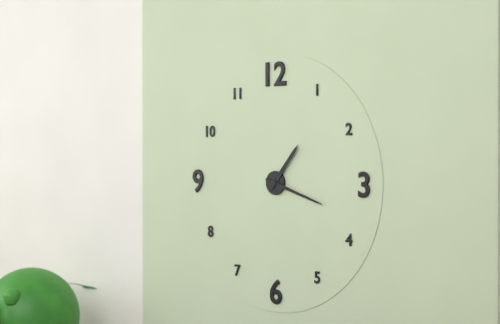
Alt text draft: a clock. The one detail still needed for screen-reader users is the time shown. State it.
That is 1:18
